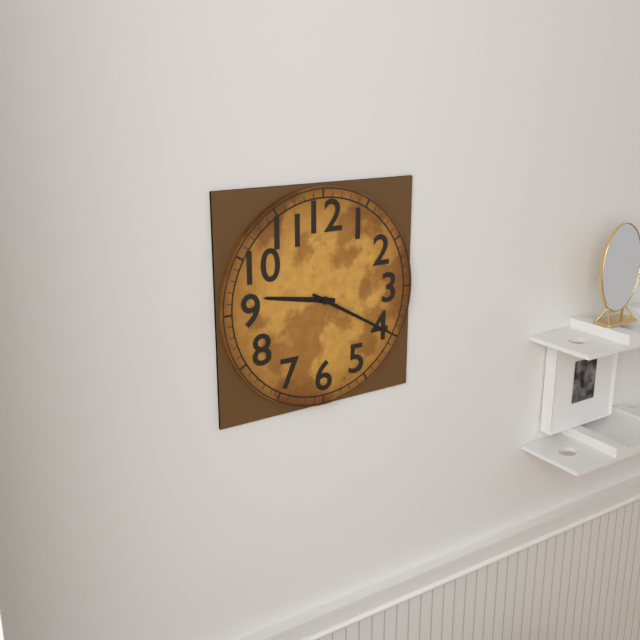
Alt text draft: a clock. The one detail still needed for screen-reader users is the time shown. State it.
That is 9:20
